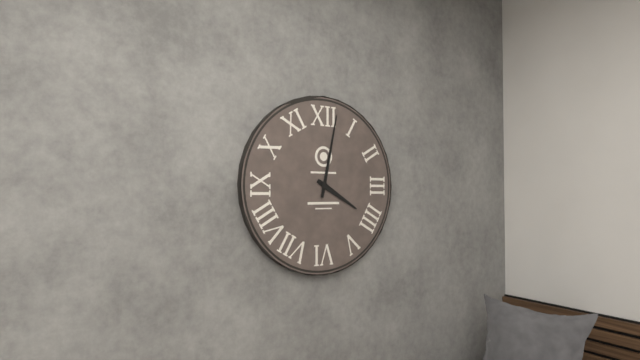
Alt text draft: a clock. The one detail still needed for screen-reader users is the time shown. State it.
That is 4:02
